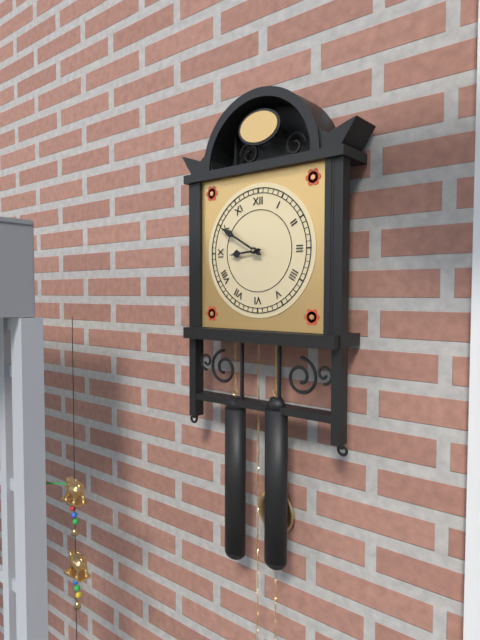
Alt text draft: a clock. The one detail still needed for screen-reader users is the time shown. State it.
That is 8:50
